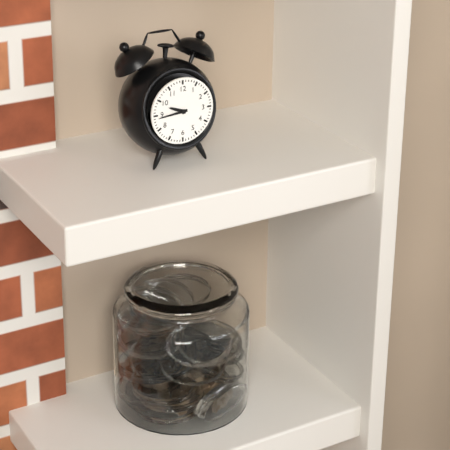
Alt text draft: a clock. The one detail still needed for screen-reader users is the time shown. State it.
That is 9:44
